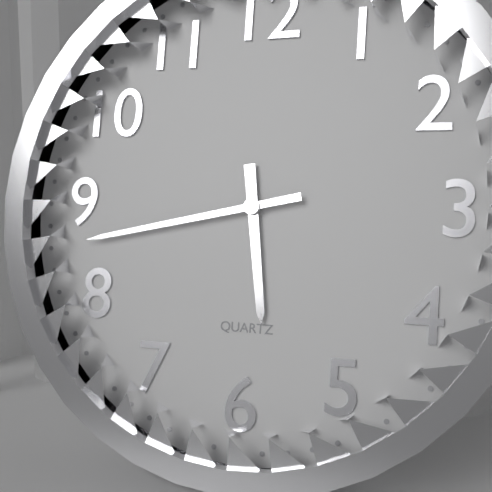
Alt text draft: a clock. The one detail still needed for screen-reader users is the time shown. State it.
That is 5:43
